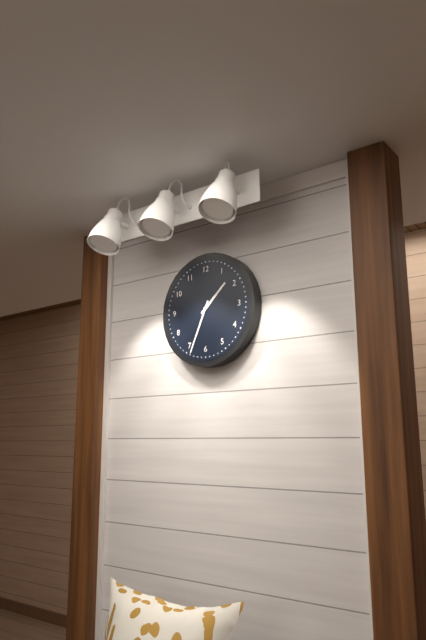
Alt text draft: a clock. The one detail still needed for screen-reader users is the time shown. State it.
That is 1:34
